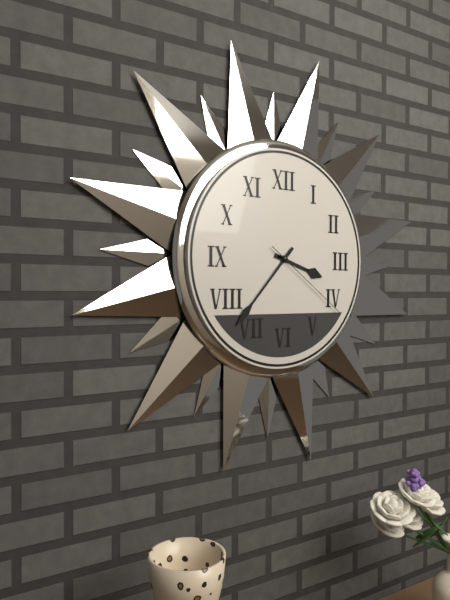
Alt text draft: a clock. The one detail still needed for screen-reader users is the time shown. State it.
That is 3:37:21
